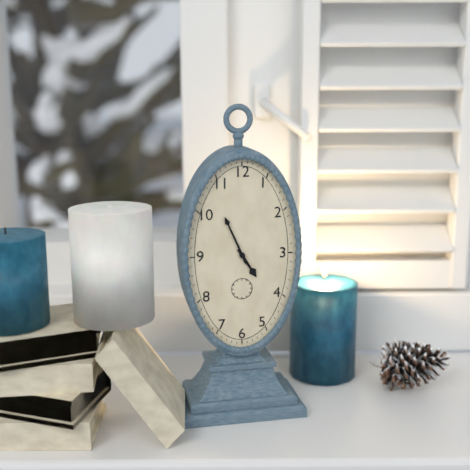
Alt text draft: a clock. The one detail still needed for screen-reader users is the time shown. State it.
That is 4:56
